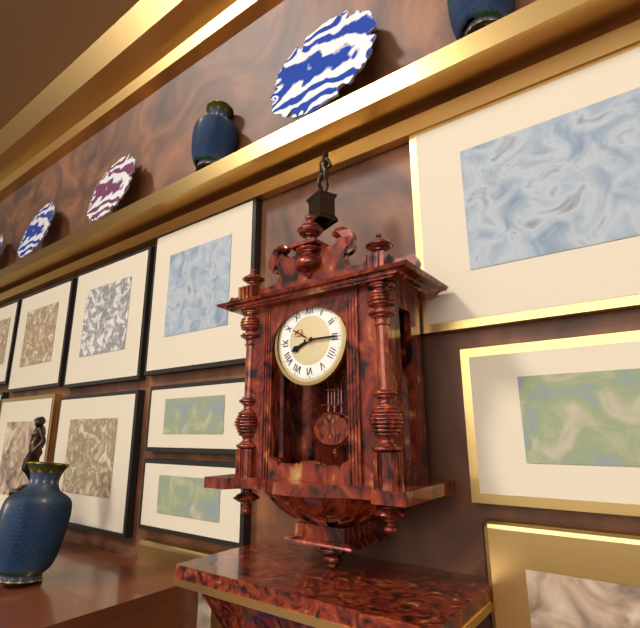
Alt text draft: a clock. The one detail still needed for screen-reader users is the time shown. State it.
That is 8:15
